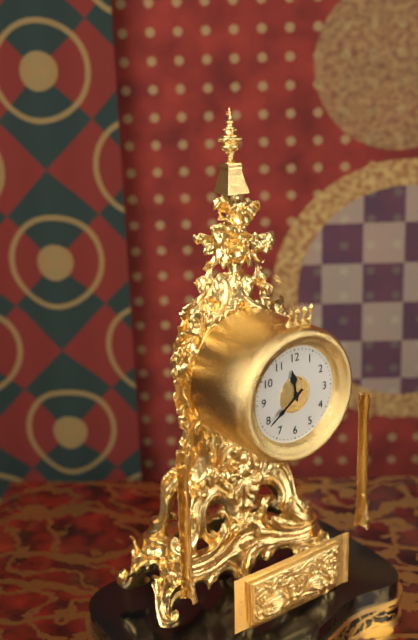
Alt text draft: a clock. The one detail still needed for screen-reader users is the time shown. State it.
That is 11:39
